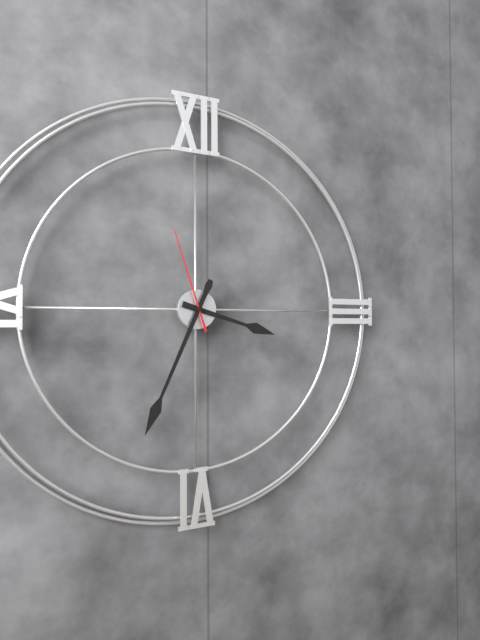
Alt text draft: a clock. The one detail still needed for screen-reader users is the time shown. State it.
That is 3:34:57
